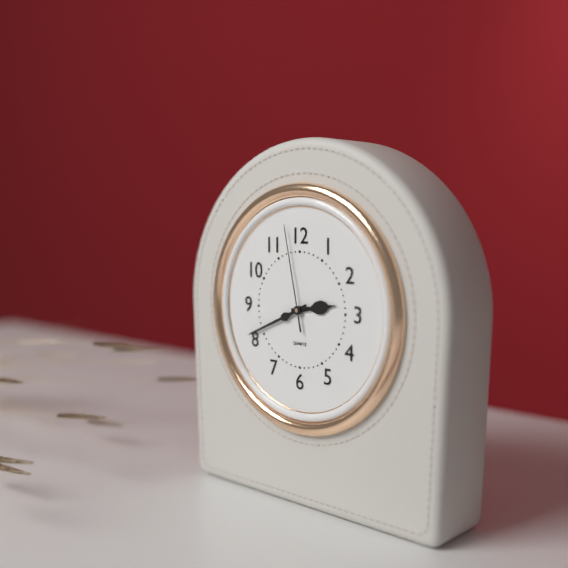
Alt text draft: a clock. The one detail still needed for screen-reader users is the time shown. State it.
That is 2:41:58
